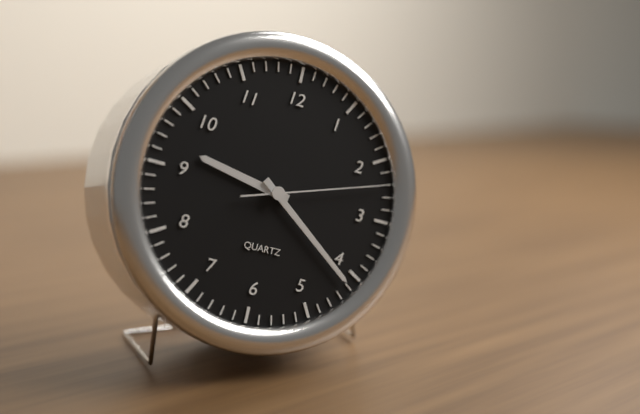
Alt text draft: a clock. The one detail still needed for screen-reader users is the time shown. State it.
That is 9:21:12
